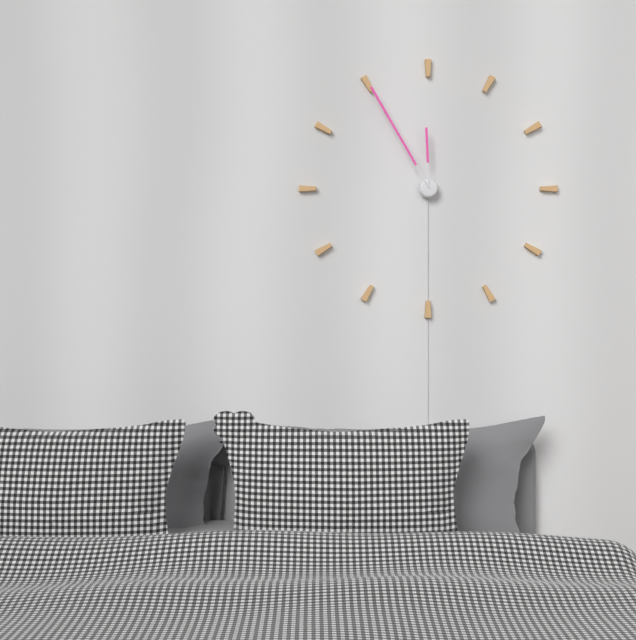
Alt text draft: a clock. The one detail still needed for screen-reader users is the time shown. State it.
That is 11:55
